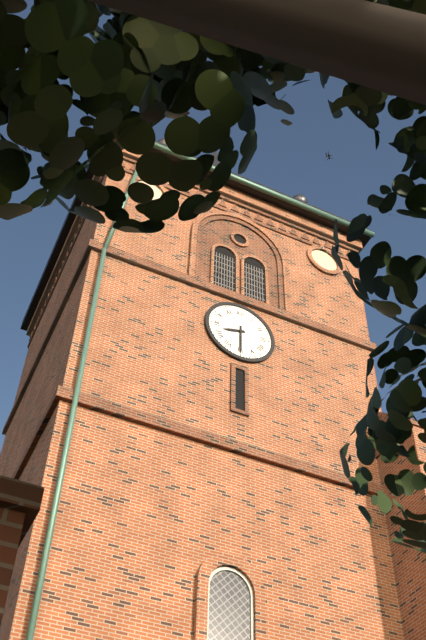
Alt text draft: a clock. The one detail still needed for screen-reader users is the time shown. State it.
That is 8:30
